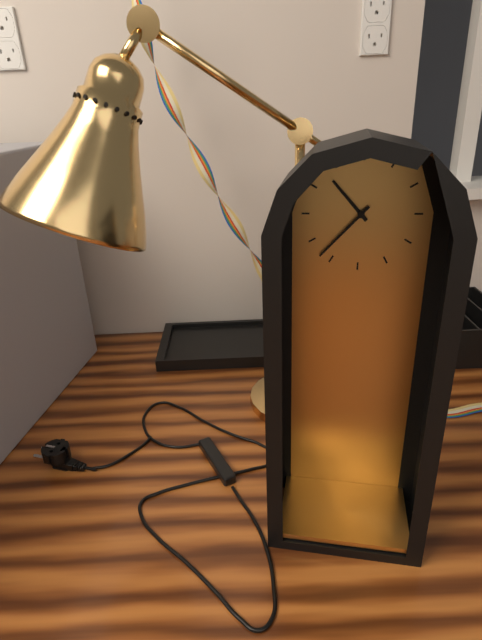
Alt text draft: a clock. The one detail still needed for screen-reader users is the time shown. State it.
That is 10:37
